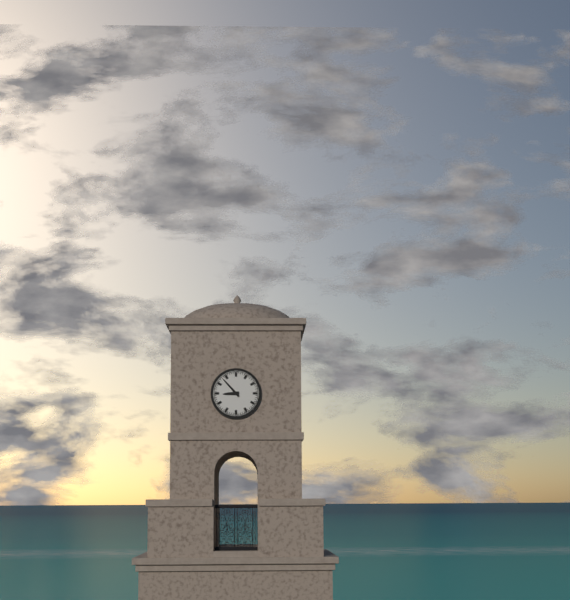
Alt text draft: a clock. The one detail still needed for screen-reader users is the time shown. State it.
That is 8:53
